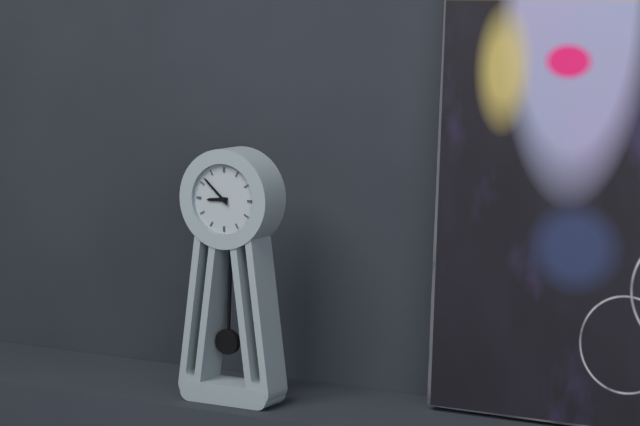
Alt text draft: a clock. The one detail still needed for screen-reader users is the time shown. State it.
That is 8:52
